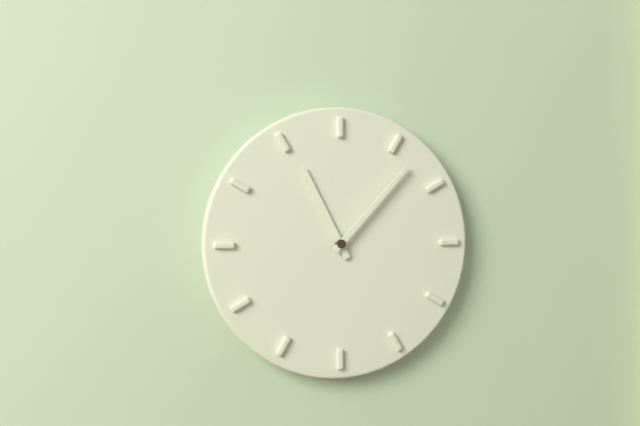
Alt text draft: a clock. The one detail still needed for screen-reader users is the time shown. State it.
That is 11:07
